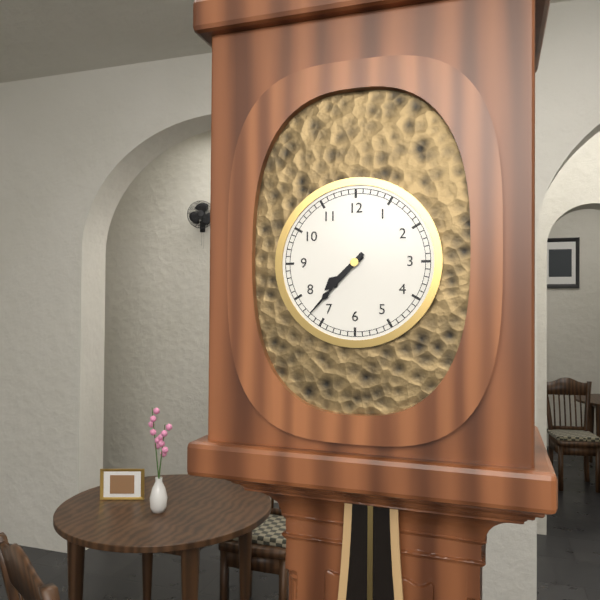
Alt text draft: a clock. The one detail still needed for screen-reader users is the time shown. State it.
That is 7:37
